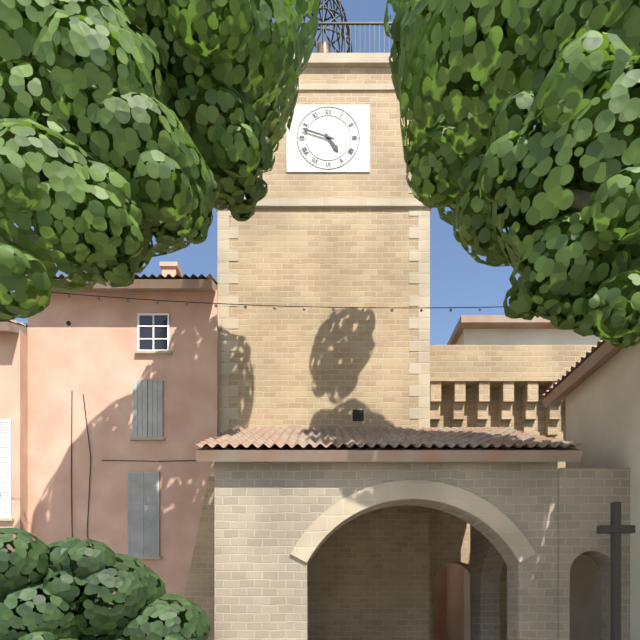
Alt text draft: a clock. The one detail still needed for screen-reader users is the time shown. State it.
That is 4:48
